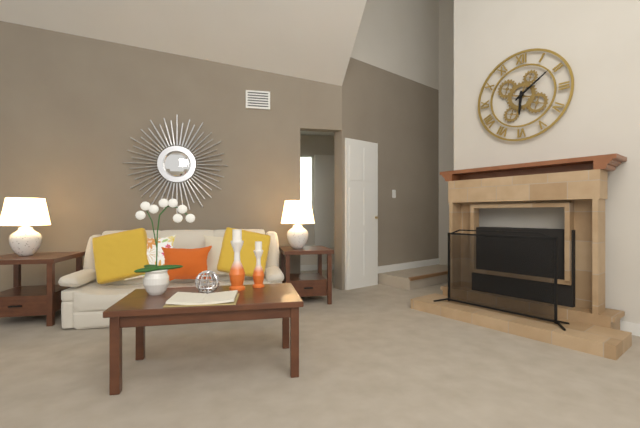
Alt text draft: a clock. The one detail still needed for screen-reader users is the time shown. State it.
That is 6:09
